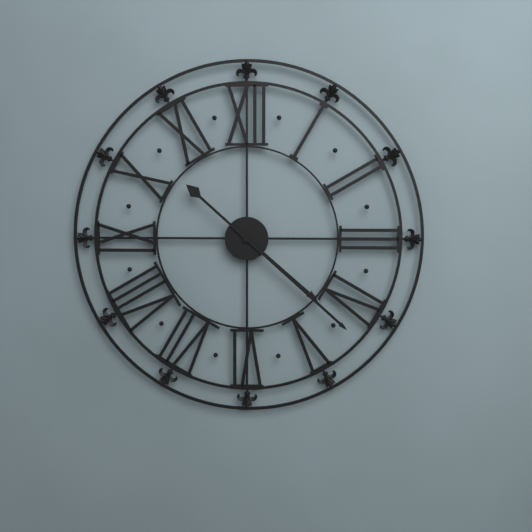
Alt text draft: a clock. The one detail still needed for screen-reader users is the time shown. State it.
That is 4:22
